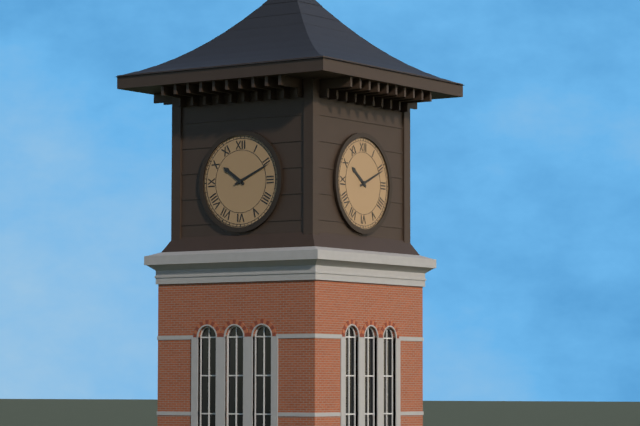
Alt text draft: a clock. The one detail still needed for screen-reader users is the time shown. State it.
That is 10:11
